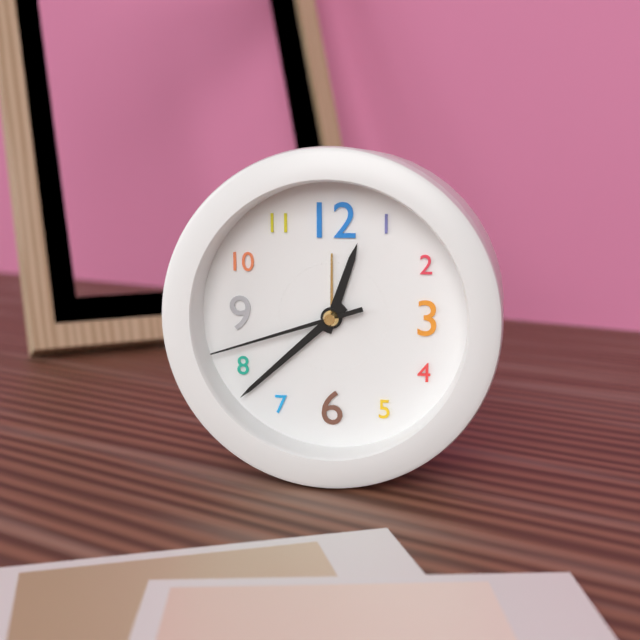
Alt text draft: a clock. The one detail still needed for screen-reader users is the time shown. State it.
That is 12:38:42
